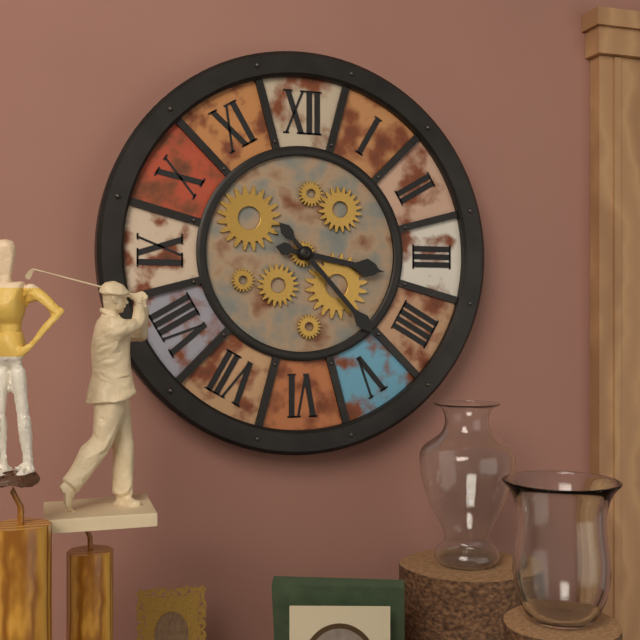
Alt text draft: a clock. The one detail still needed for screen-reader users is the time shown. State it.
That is 3:23
